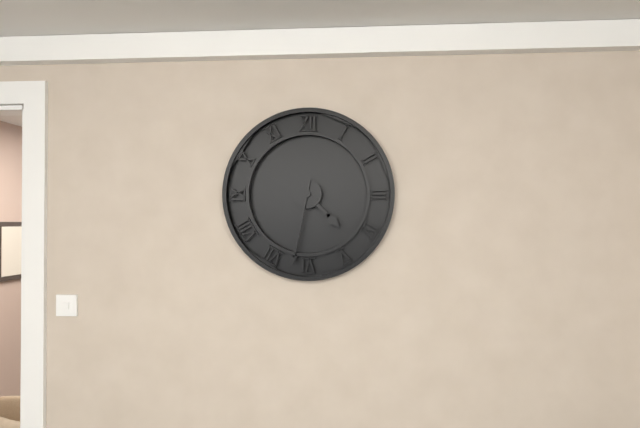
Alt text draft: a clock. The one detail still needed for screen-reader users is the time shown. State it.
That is 4:32
